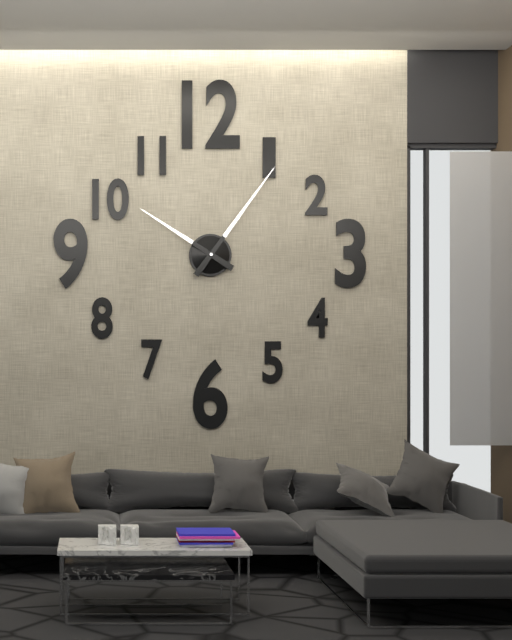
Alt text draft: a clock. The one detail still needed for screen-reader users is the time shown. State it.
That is 10:06
